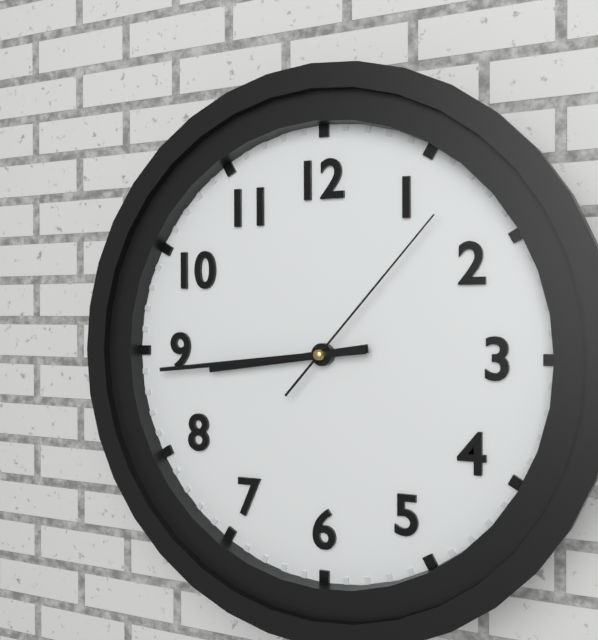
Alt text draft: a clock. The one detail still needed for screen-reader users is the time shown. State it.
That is 8:44:07
